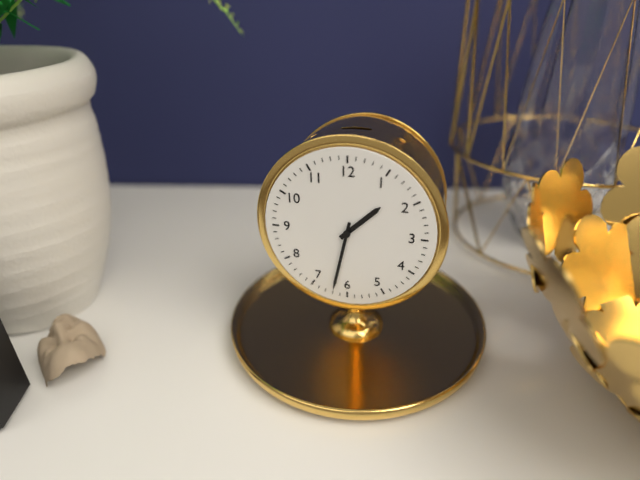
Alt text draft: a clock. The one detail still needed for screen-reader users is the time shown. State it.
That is 1:32
